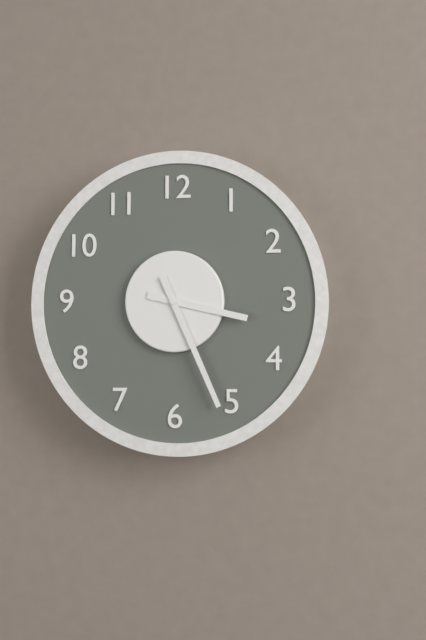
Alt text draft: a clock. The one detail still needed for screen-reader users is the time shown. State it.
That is 3:26
